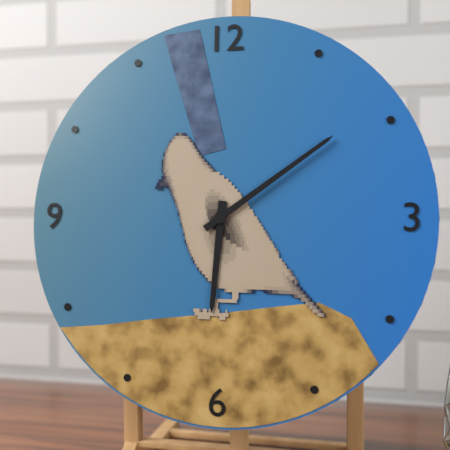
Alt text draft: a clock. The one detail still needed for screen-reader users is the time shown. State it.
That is 6:09
